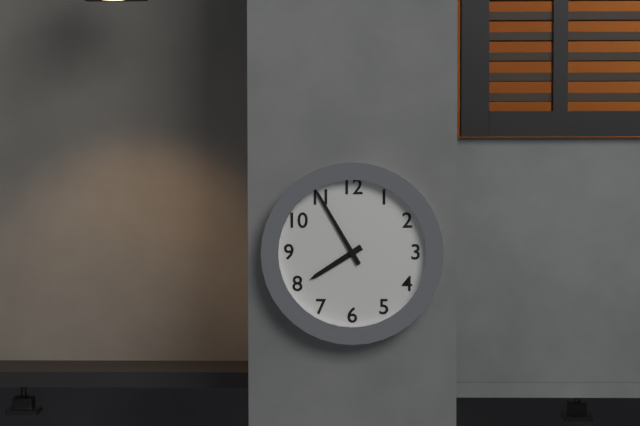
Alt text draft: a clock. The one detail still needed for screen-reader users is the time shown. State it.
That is 7:55
